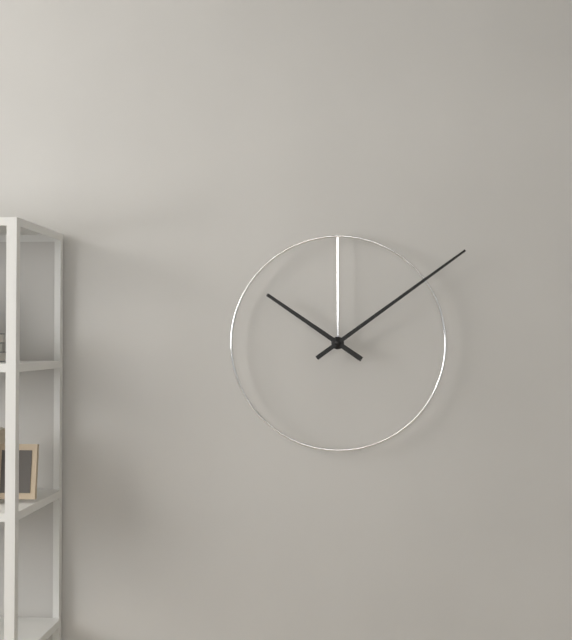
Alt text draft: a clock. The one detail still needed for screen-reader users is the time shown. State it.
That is 10:09
